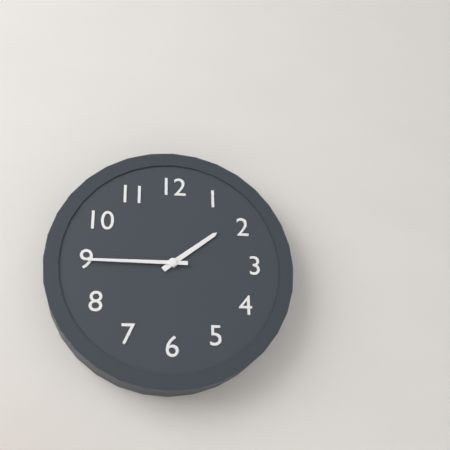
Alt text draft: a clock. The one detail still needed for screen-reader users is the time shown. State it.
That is 1:45
